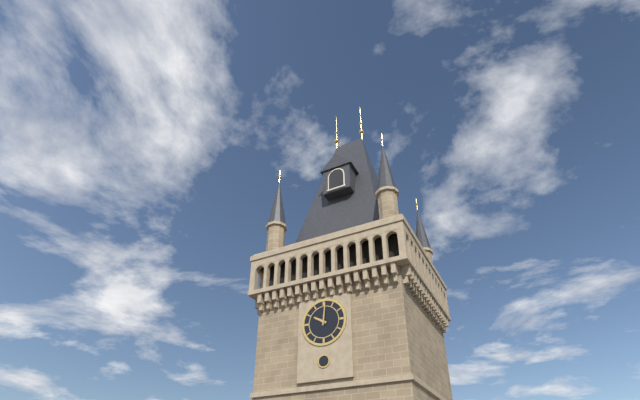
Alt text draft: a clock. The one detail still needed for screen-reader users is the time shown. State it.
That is 10:01
